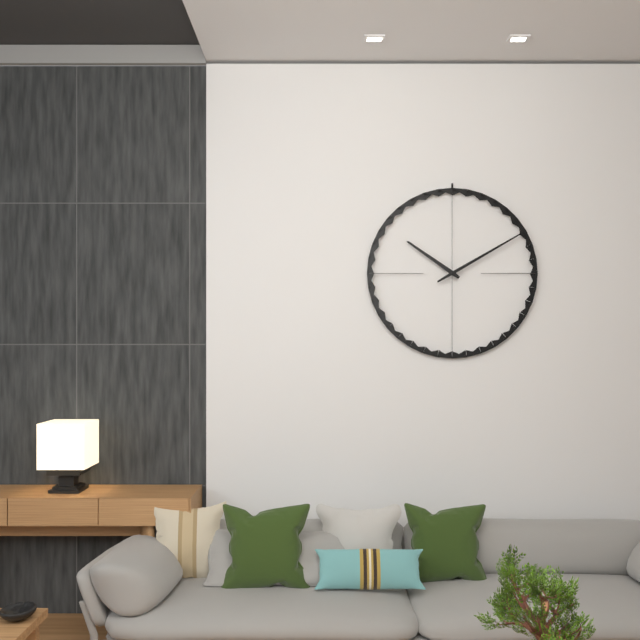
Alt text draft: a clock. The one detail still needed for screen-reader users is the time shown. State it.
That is 10:10
